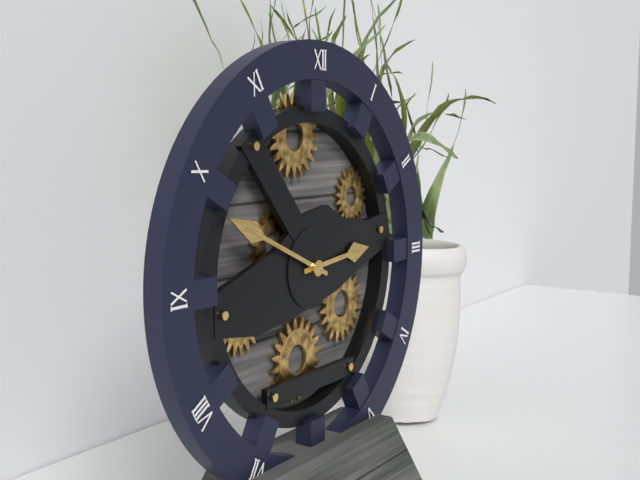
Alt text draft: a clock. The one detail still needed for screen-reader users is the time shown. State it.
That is 2:49
